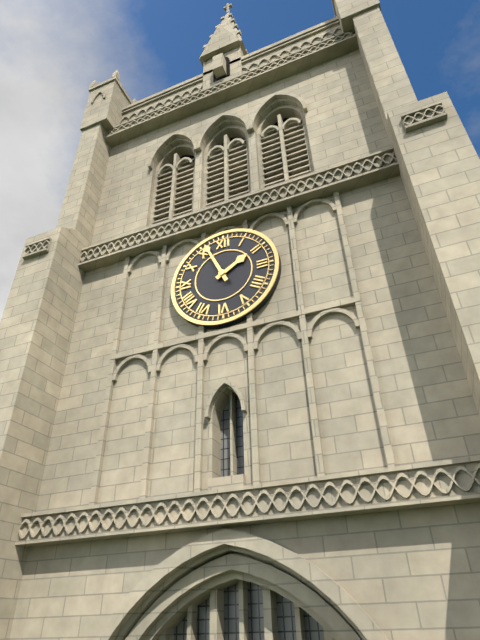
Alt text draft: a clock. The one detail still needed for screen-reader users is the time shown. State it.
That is 1:56
